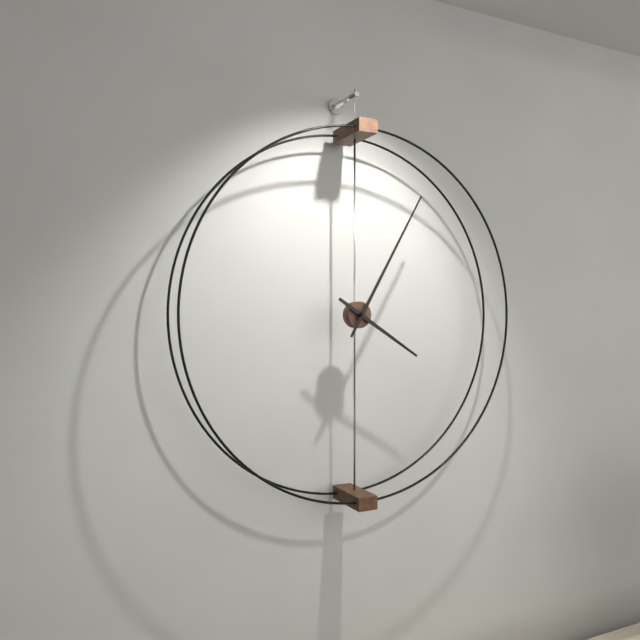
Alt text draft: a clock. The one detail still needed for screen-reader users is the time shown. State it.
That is 4:05
